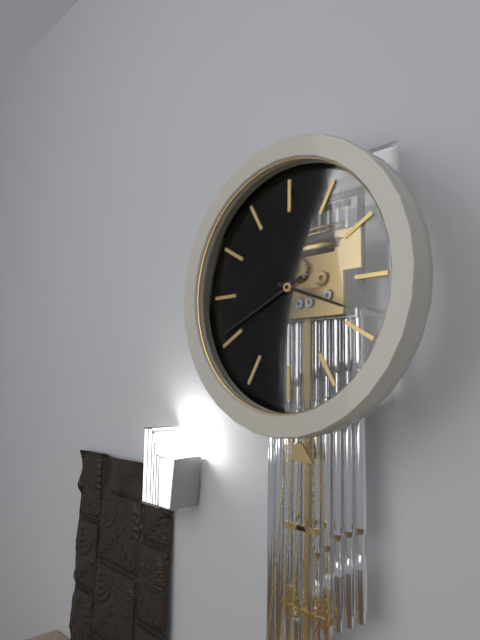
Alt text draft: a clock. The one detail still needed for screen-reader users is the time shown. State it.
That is 3:41
